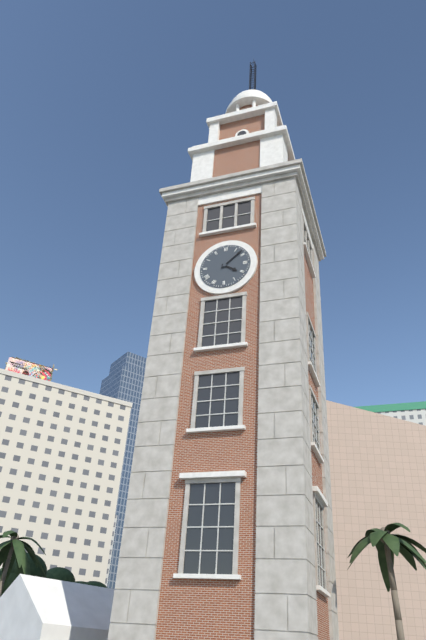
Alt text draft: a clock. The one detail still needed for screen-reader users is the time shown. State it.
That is 4:08
